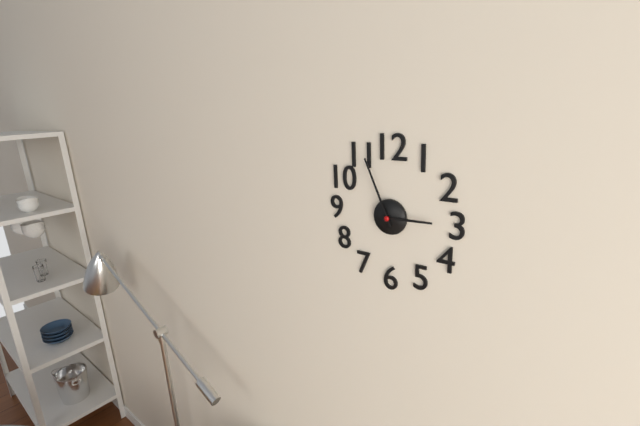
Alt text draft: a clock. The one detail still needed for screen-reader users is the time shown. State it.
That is 2:56
